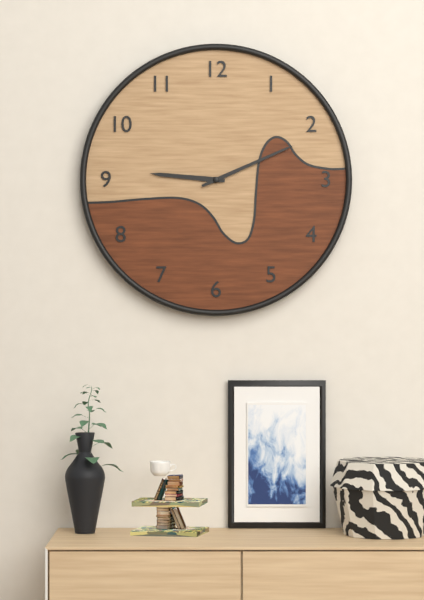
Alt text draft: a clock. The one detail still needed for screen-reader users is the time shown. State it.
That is 9:11
